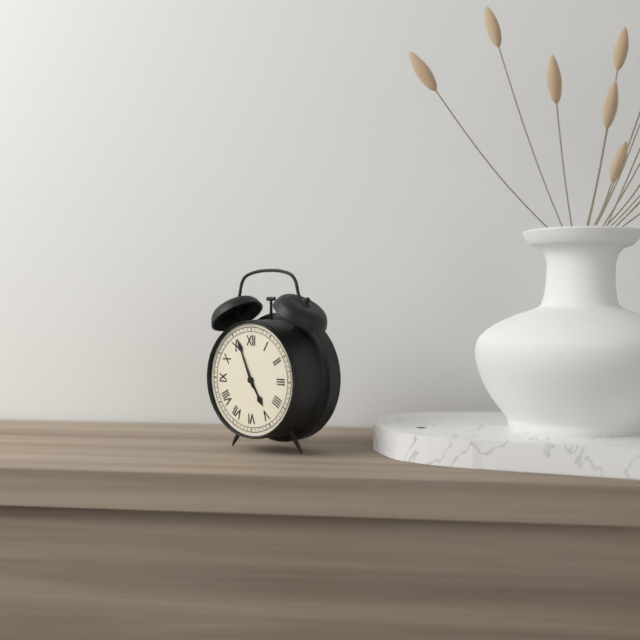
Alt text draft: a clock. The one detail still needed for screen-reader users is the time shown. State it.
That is 4:56
